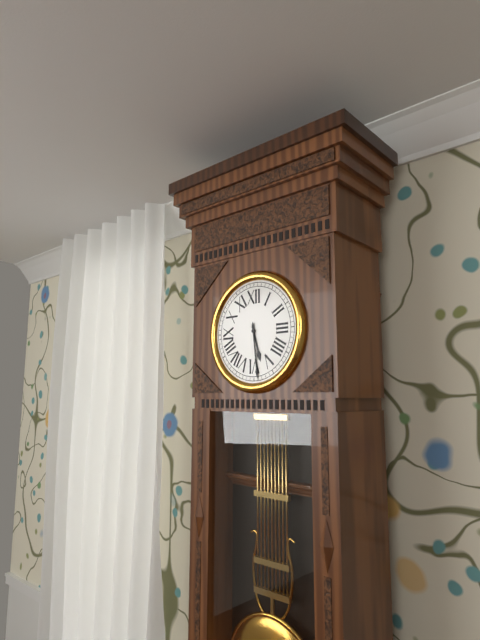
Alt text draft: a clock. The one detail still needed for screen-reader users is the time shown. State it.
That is 5:29
